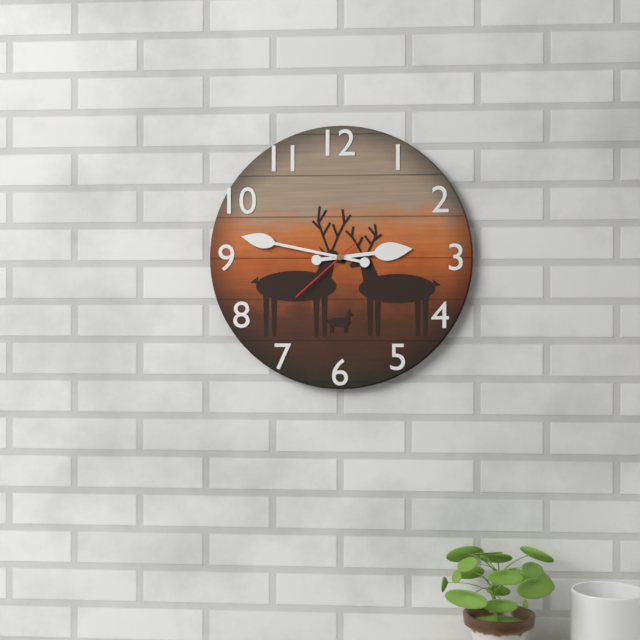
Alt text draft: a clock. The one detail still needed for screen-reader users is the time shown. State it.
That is 2:47:38
